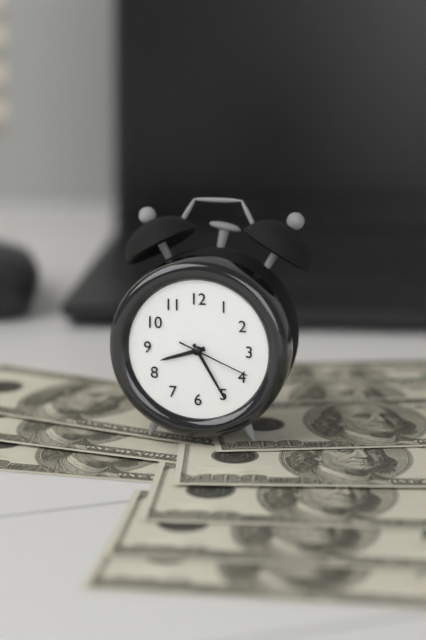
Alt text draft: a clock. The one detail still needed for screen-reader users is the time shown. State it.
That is 8:25:19
